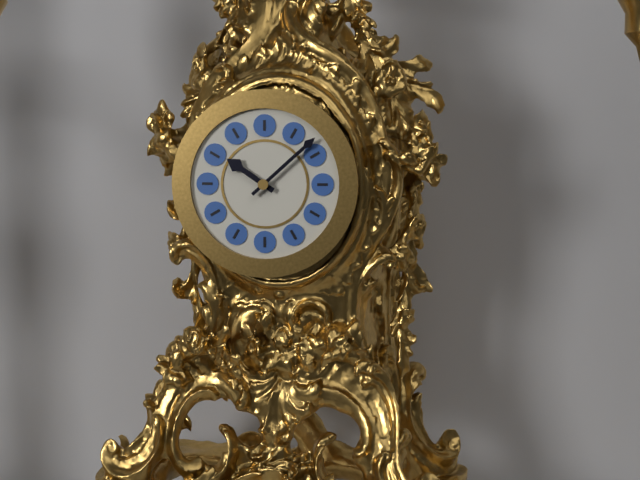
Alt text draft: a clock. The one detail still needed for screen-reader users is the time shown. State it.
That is 10:08
